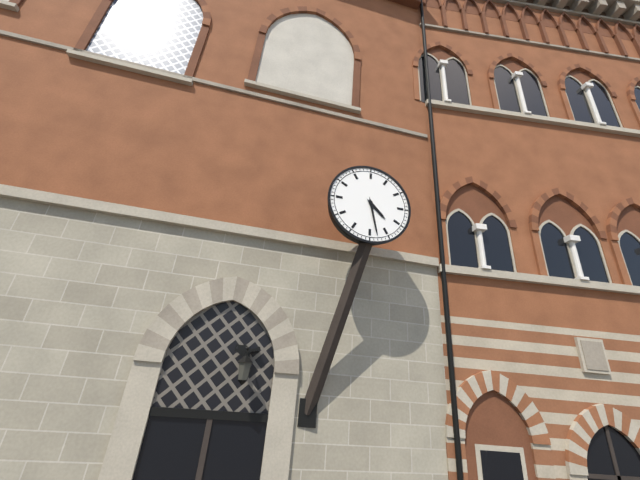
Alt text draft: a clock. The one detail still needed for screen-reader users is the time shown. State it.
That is 4:28
